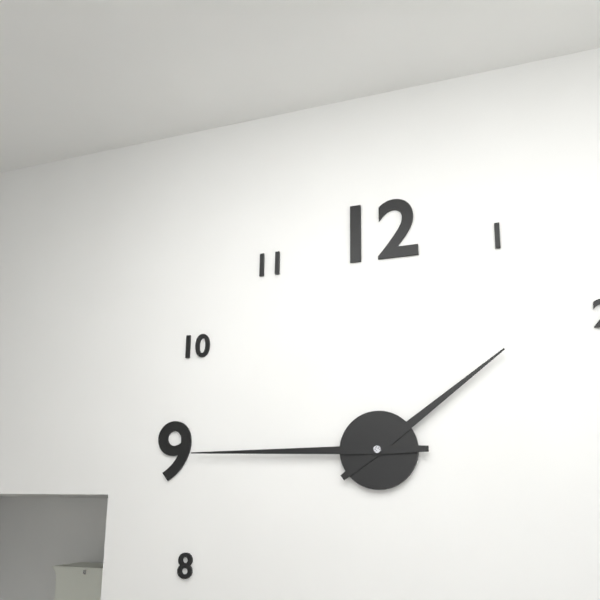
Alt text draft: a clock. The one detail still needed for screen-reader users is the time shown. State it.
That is 1:45
